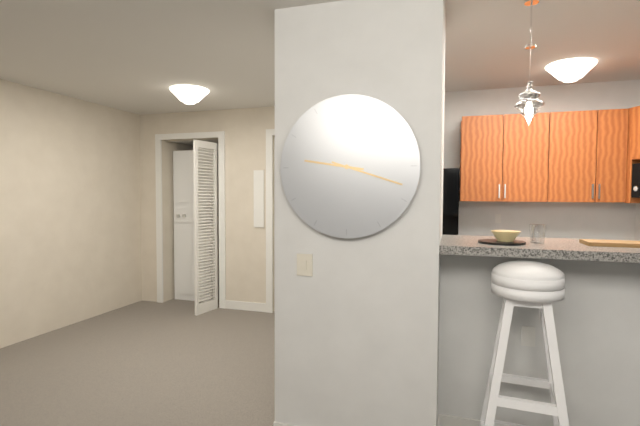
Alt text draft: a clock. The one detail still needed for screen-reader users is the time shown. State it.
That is 9:18
